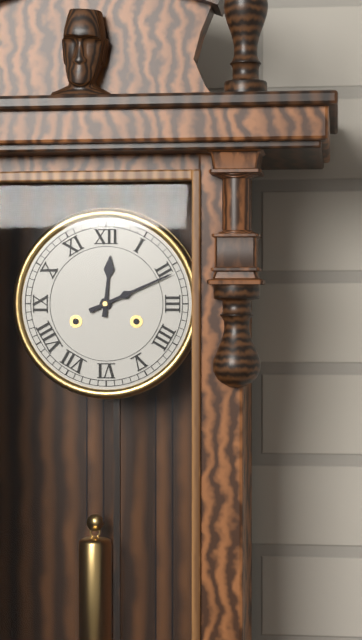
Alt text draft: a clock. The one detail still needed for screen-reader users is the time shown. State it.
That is 12:11
